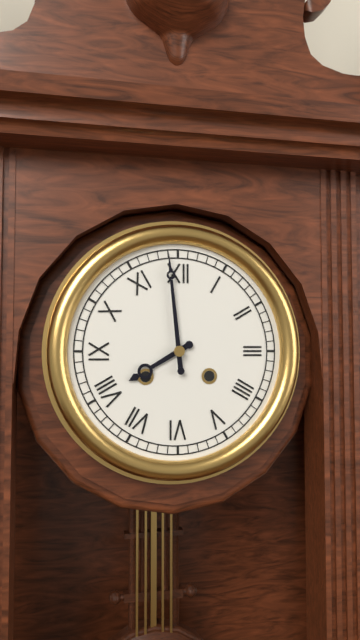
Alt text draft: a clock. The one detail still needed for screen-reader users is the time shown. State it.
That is 7:59
